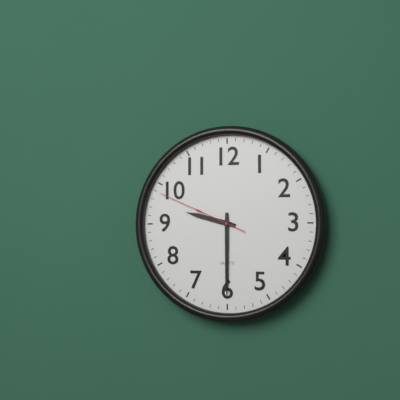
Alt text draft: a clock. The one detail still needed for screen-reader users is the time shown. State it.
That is 9:30:49
